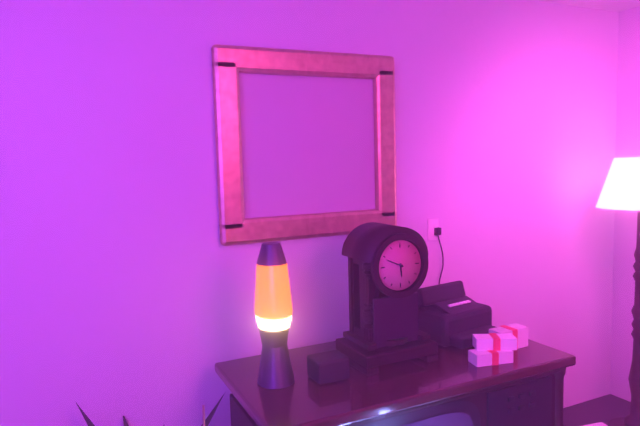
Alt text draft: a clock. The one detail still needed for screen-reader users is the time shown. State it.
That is 5:49
